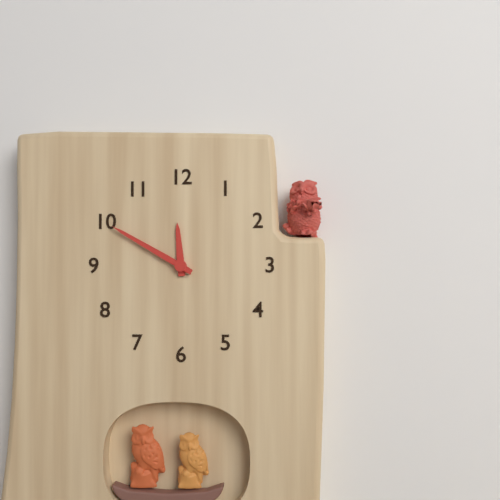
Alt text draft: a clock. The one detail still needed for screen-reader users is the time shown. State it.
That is 11:50
